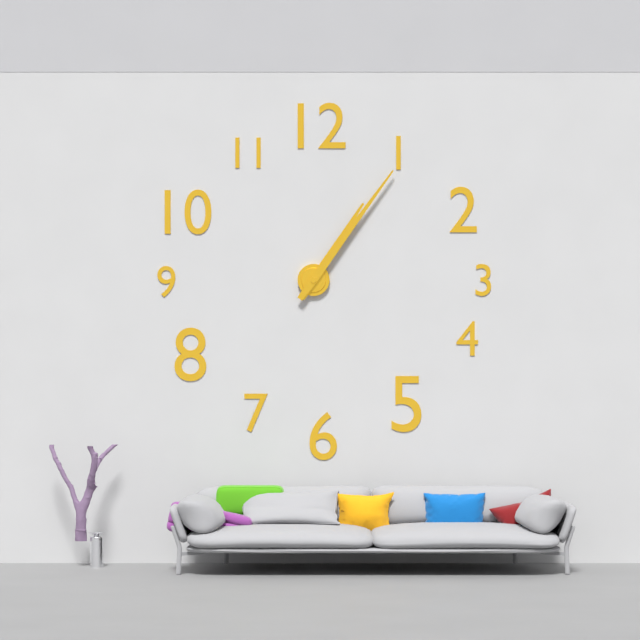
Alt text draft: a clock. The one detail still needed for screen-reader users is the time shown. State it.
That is 1:06
